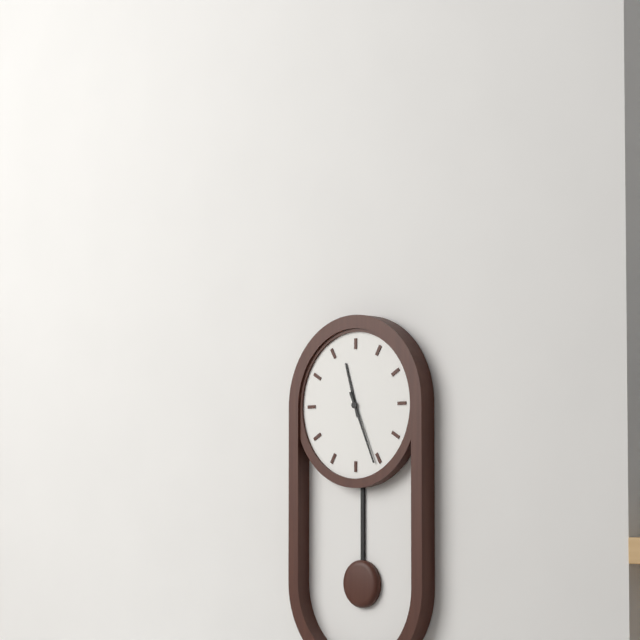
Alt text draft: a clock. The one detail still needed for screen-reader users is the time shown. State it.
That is 11:26
